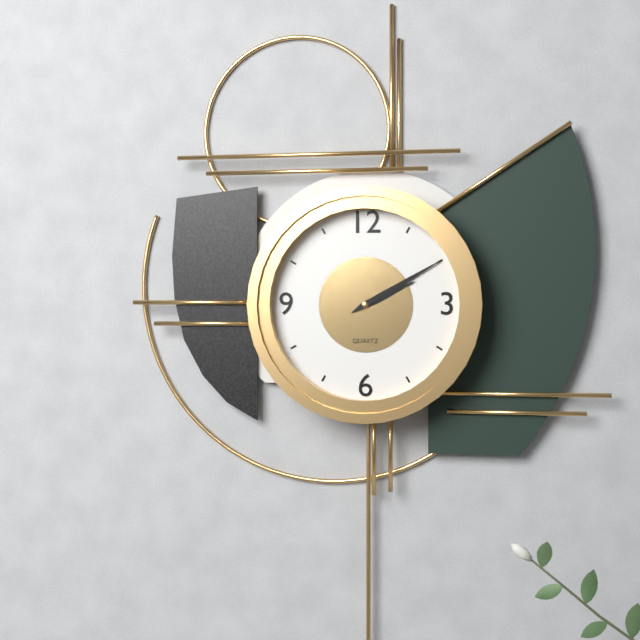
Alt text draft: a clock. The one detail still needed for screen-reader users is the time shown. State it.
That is 2:10
